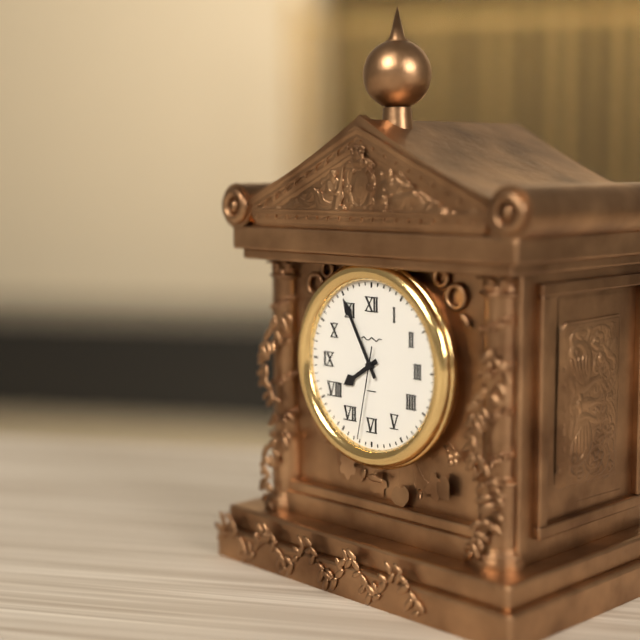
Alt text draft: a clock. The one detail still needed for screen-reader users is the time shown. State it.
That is 7:55:32
